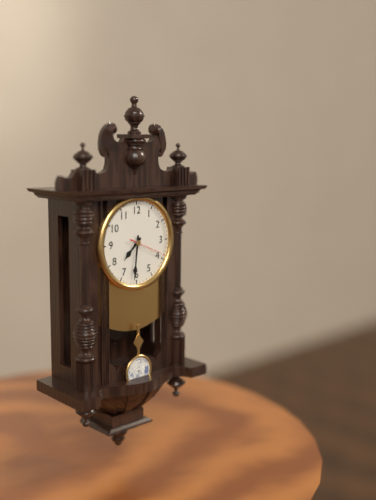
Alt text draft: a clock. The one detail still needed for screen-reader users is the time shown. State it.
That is 7:31
